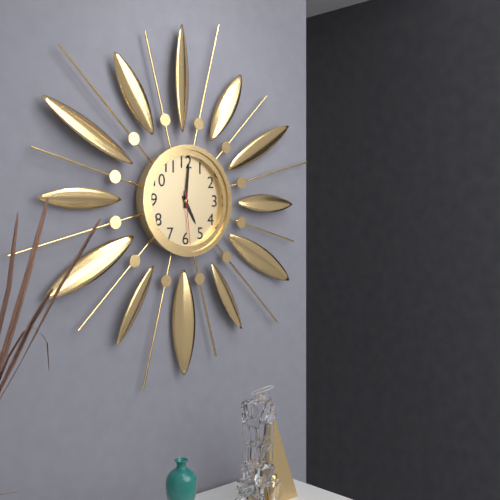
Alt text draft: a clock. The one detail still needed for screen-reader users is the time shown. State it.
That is 5:01:29
